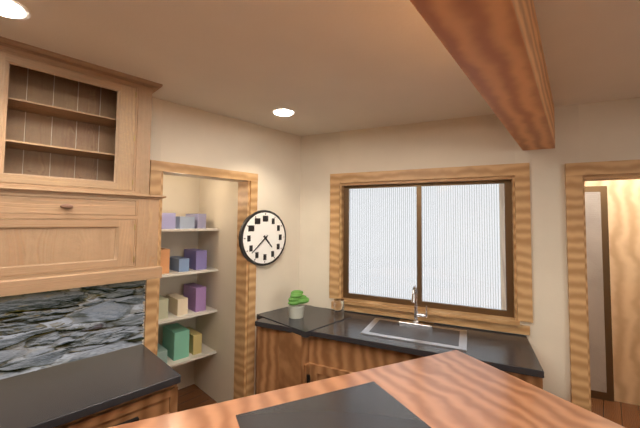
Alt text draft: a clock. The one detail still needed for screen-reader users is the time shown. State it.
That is 4:38
